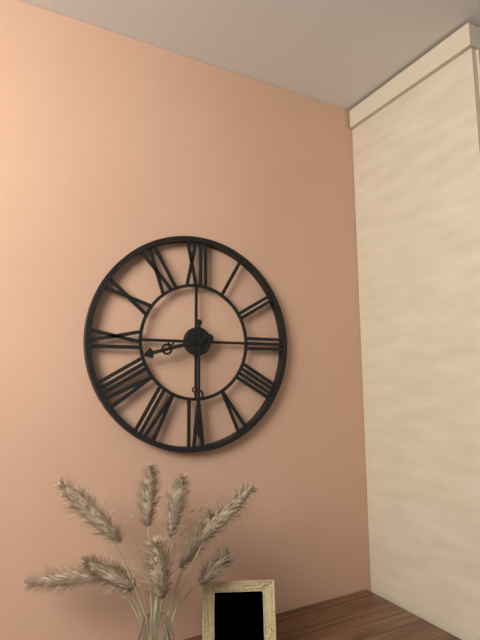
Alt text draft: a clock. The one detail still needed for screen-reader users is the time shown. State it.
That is 8:30
